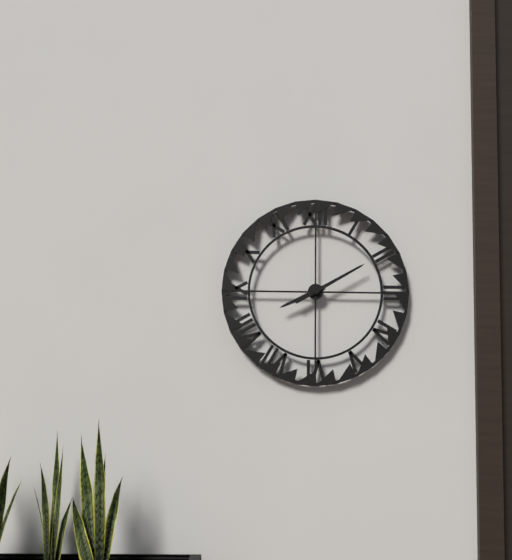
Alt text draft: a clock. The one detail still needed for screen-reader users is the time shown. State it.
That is 8:10
